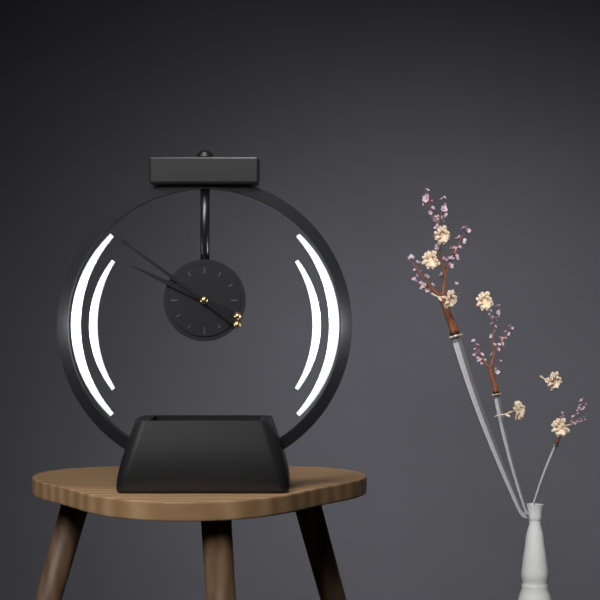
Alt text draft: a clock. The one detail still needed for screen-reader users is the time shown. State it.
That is 9:51
